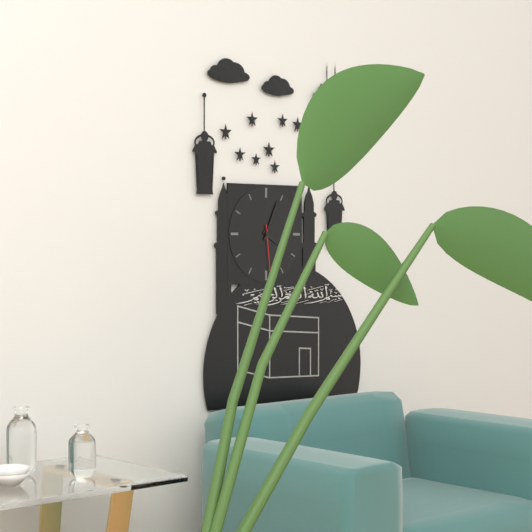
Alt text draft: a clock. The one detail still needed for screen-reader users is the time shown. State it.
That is 4:04:29
